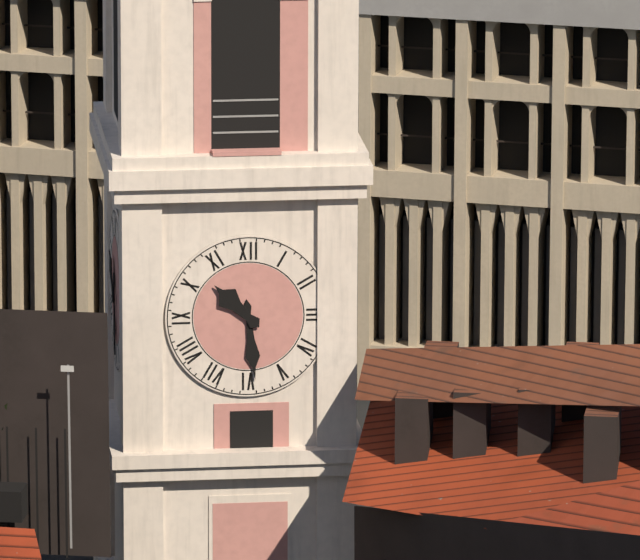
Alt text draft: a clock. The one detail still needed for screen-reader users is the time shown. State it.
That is 10:29
